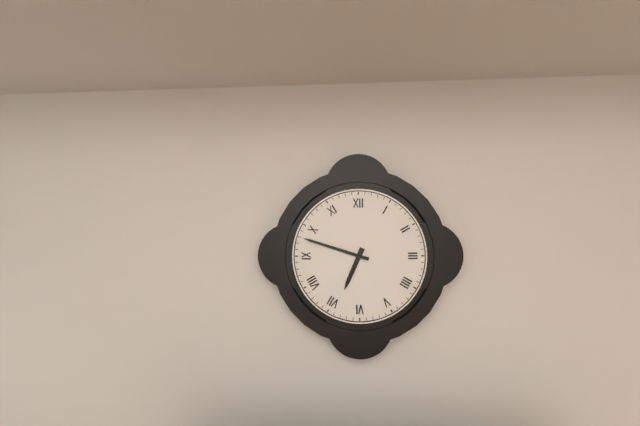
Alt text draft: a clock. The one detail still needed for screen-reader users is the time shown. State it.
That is 6:48
